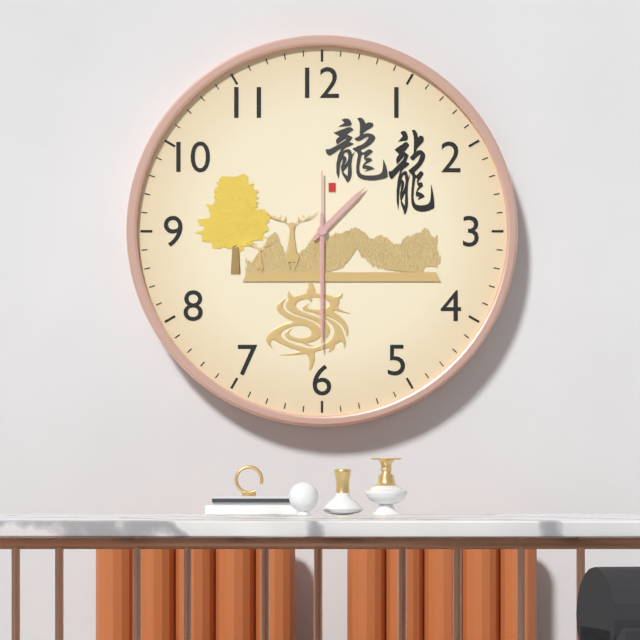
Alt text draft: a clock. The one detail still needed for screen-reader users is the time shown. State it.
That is 1:30:30
